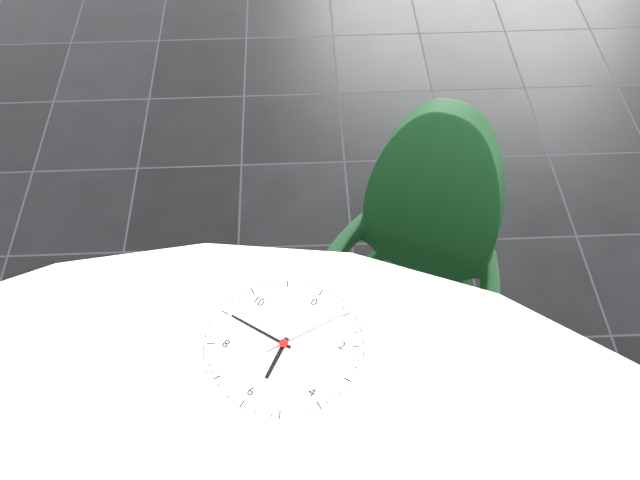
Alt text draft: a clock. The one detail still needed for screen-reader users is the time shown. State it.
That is 5:45:05
